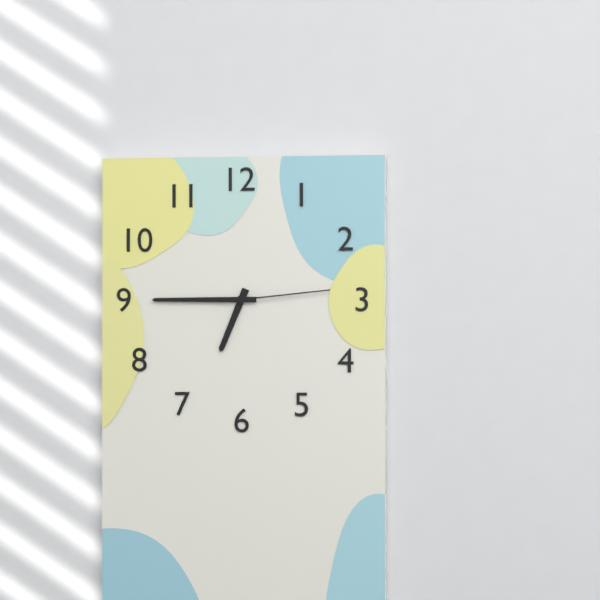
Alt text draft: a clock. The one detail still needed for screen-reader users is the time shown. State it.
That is 6:45:14
